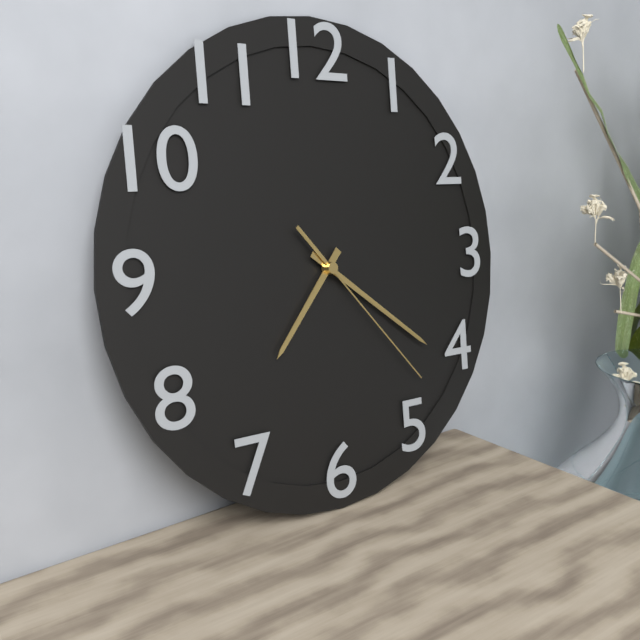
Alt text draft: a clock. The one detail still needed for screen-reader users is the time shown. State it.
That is 7:21:23
